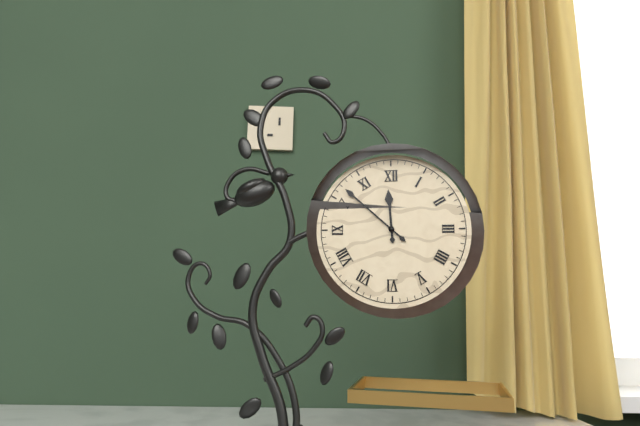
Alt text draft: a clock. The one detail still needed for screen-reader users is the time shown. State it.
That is 11:52
